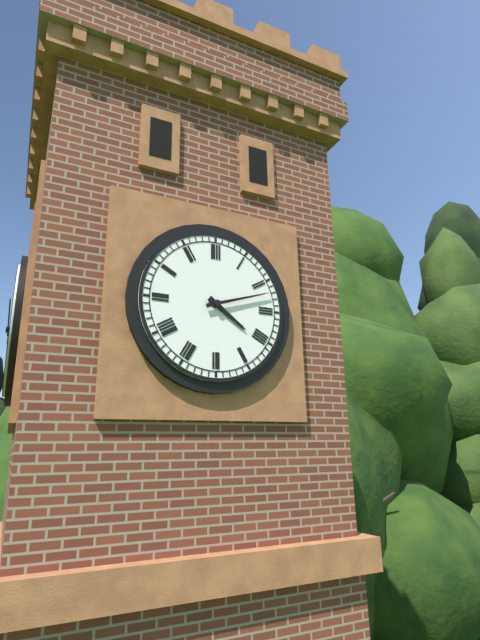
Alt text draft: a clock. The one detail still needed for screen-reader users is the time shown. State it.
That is 4:12
